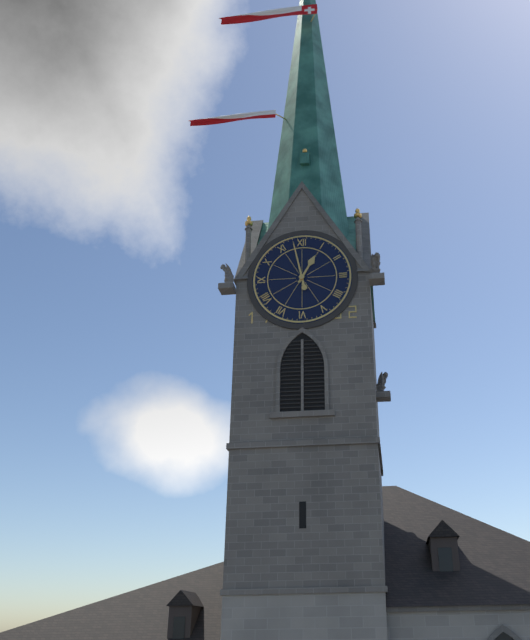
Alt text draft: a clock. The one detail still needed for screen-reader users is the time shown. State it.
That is 12:58
